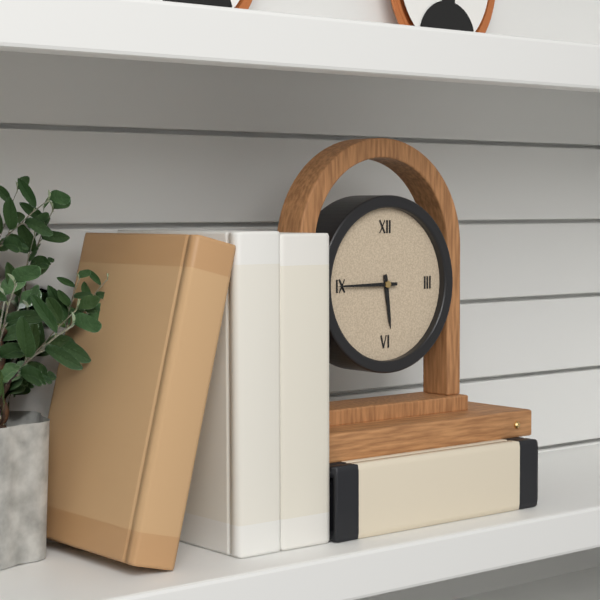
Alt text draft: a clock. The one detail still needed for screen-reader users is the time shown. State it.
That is 5:45
